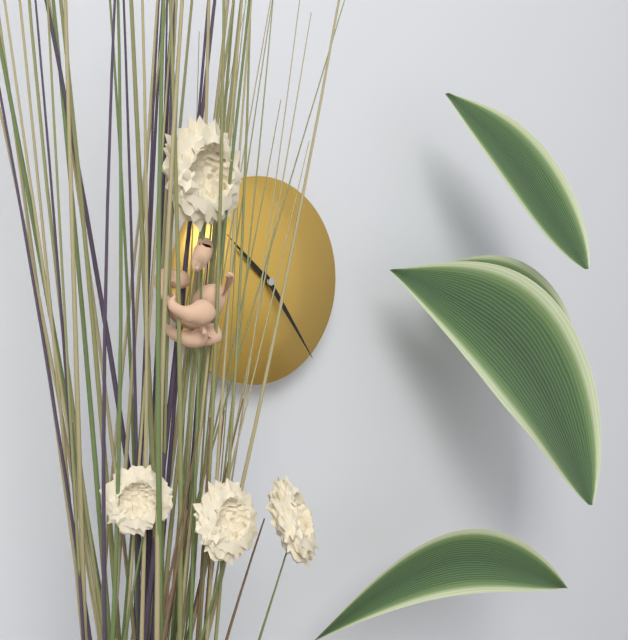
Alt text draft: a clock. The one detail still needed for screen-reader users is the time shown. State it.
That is 10:24
